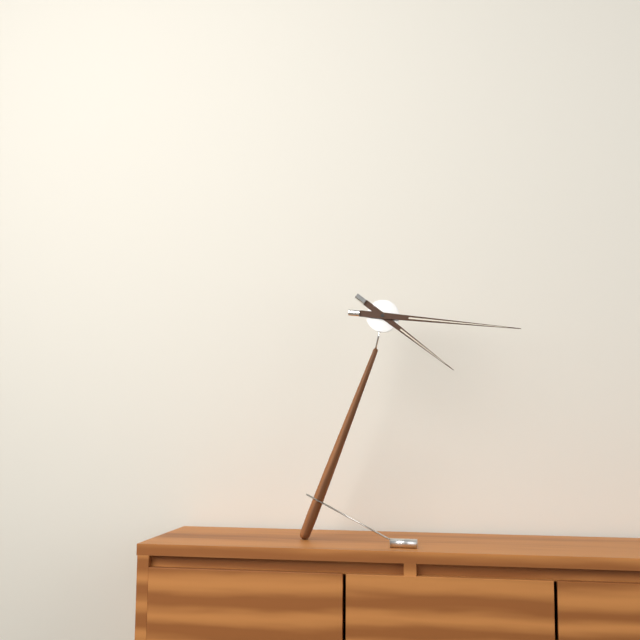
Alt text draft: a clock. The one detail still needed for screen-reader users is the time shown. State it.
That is 4:16
